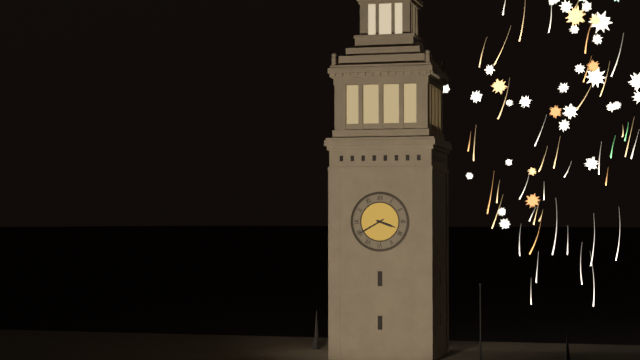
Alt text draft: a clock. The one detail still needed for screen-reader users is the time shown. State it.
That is 3:40
